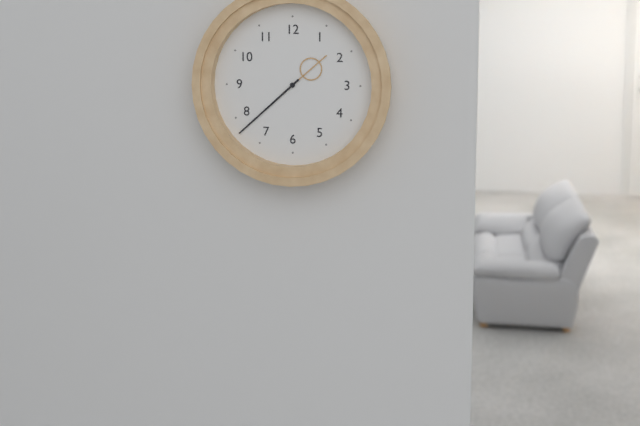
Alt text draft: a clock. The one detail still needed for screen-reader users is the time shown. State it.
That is 1:38
